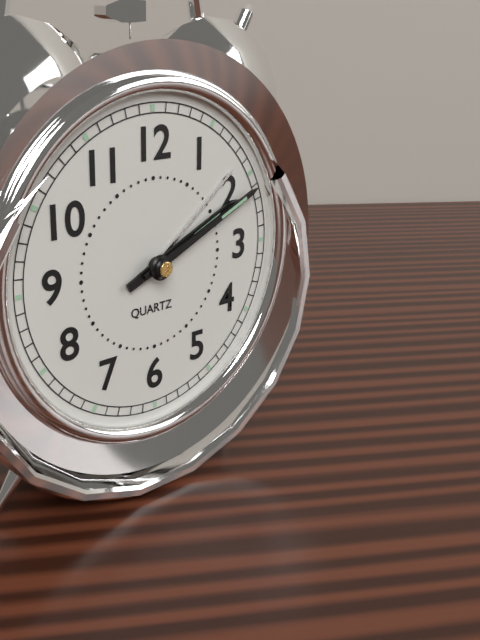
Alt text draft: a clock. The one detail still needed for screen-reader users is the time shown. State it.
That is 2:11
